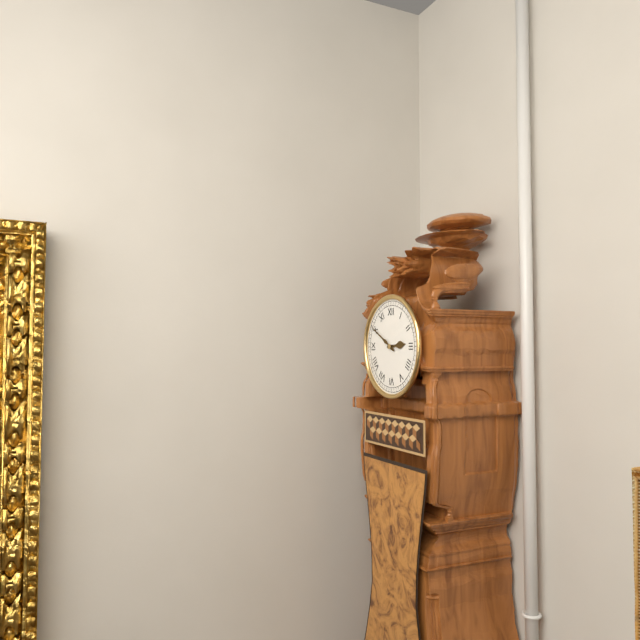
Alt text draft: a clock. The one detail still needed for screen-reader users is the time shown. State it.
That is 2:50
